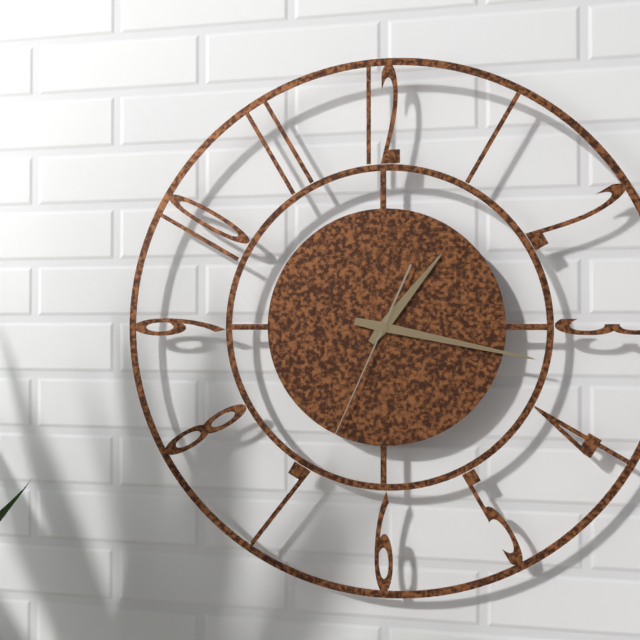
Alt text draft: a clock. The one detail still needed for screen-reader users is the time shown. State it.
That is 1:17:34
